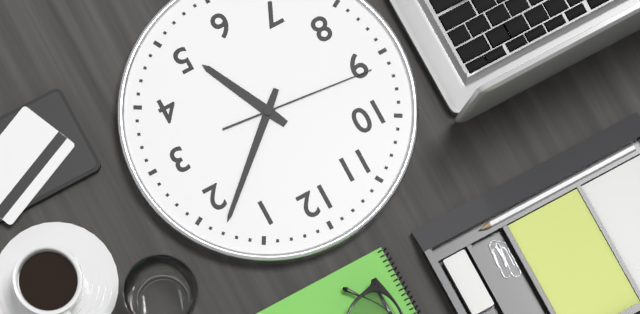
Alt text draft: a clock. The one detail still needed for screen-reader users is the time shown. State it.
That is 5:08:46
